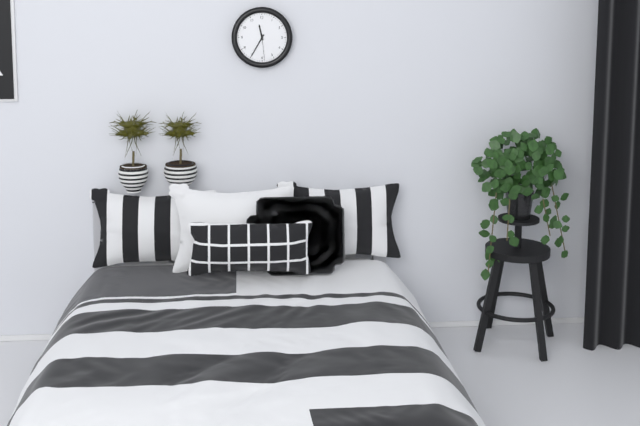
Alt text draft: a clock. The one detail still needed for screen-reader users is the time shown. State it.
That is 11:35
